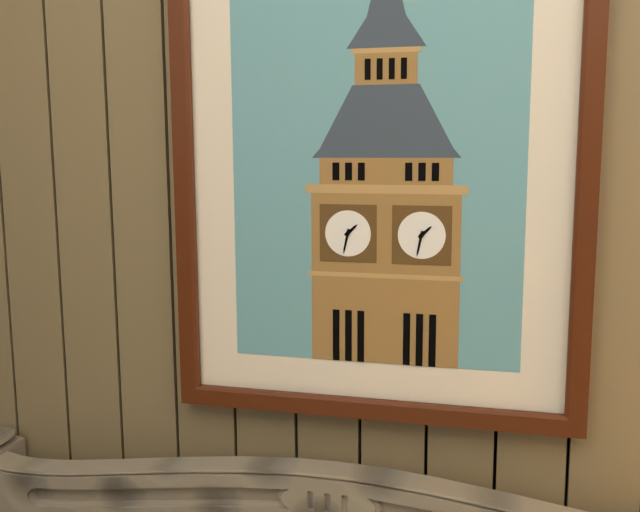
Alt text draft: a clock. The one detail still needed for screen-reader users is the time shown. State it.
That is 1:32
